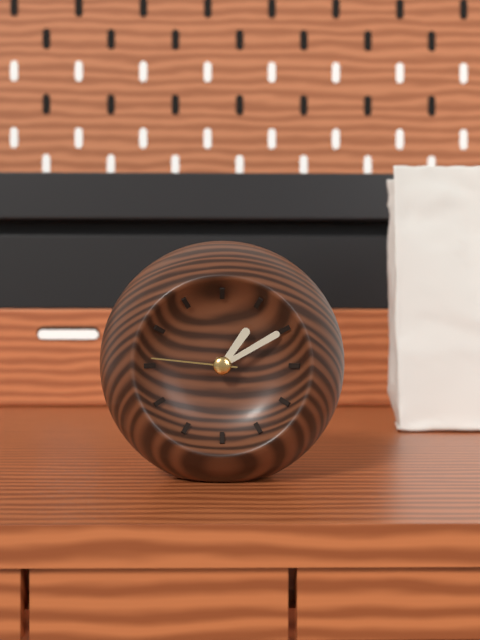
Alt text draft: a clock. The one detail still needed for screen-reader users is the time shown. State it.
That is 1:10:46
